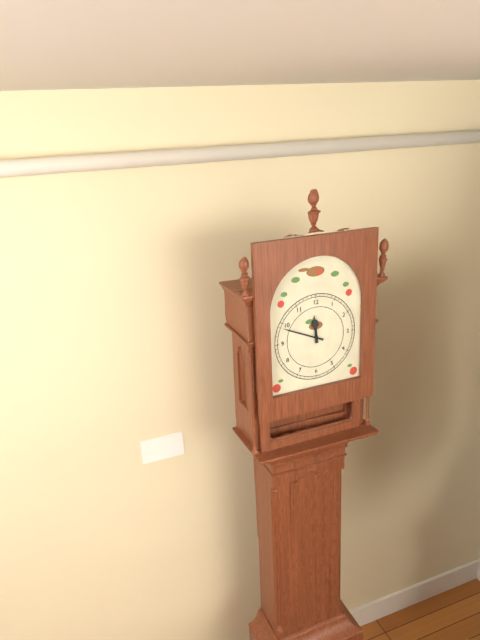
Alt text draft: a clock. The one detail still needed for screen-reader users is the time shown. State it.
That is 11:49
